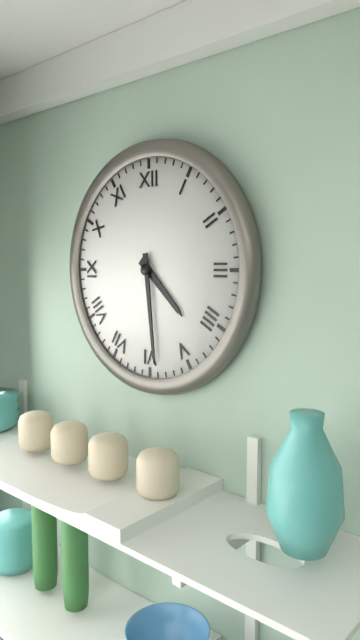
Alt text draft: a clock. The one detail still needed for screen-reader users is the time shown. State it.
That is 4:29
